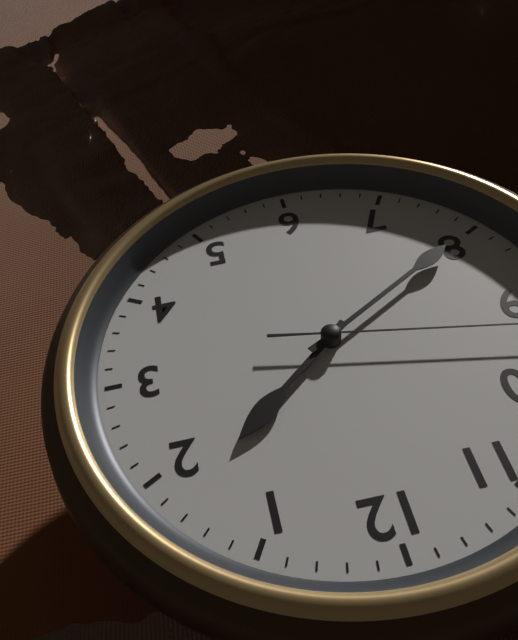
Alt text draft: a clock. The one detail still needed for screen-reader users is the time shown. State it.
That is 1:40
